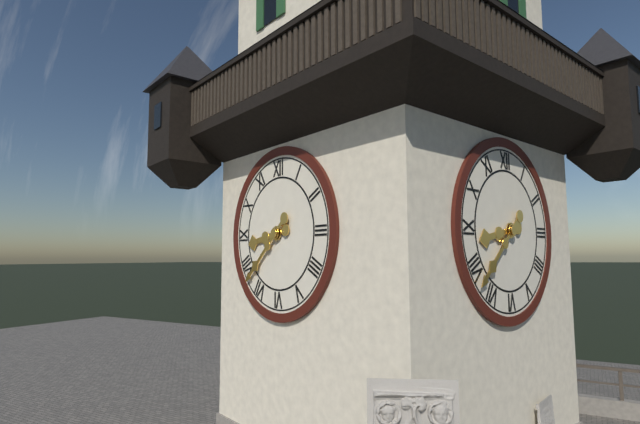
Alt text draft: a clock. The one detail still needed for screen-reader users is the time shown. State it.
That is 8:38
